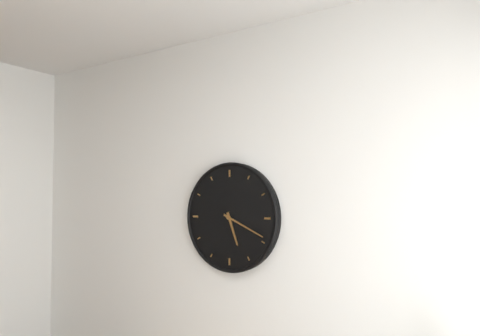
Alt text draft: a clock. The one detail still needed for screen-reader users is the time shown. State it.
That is 5:19
